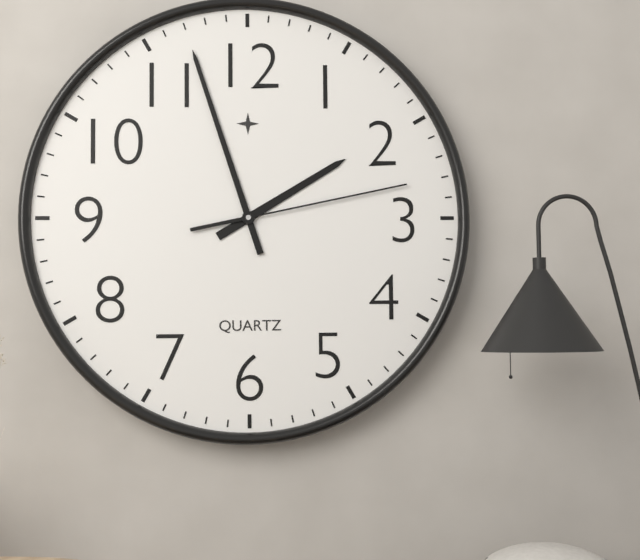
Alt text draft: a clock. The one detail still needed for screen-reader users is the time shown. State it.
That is 1:57:13
